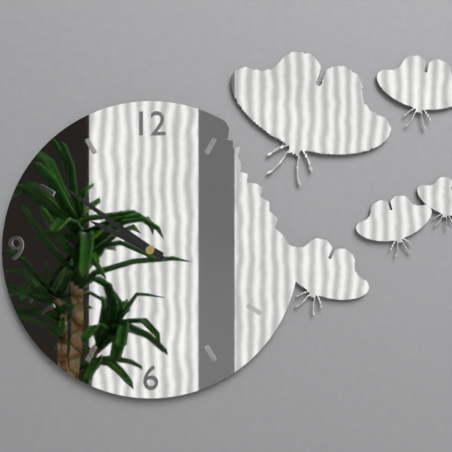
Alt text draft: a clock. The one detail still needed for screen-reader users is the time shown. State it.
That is 9:51
